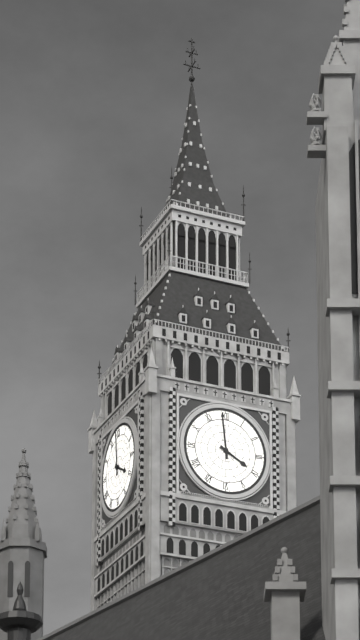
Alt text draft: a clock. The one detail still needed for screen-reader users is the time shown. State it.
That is 3:59
